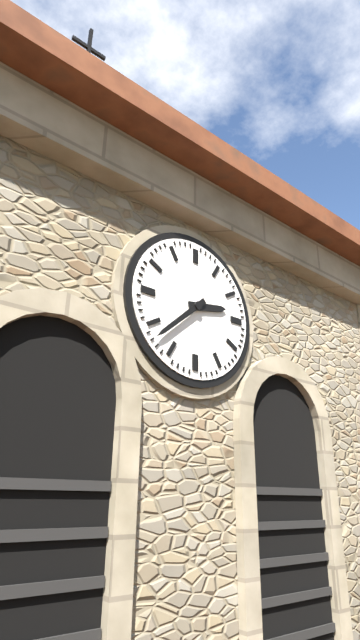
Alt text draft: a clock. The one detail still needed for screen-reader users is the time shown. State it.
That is 2:38
